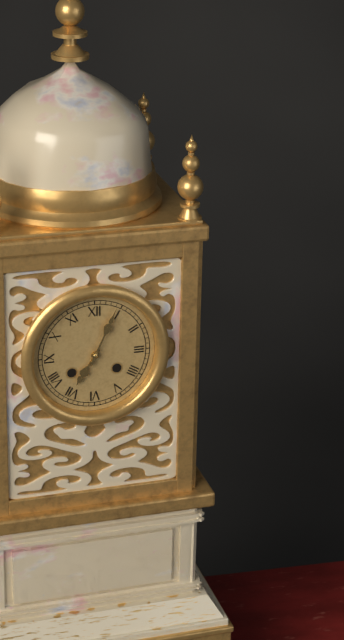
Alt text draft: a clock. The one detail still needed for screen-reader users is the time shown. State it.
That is 7:04
